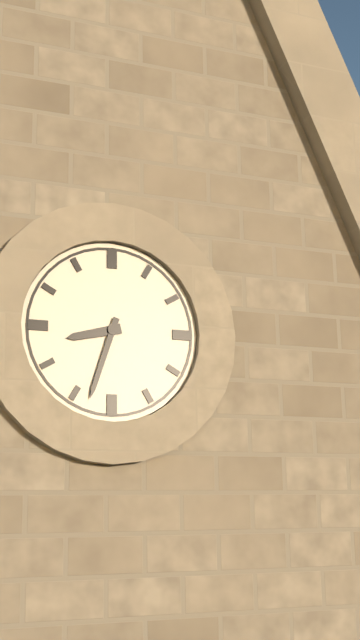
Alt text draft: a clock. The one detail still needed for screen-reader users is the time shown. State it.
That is 8:33
